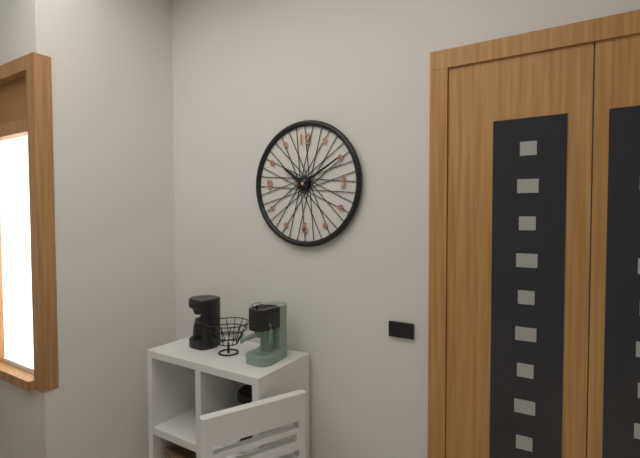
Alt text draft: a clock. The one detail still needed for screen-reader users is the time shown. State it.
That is 10:10
